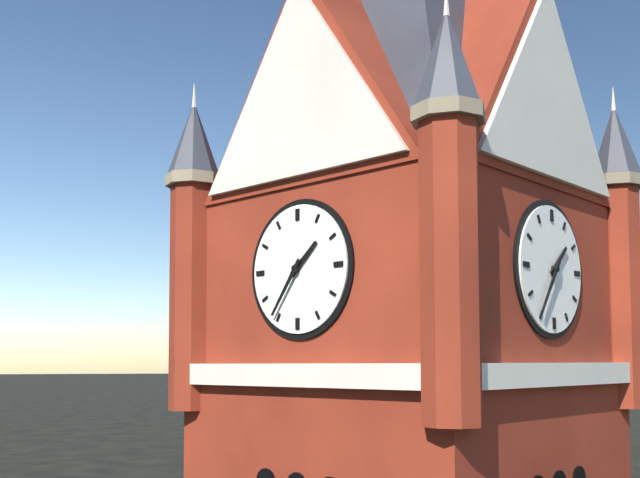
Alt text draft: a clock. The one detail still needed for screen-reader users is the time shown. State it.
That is 1:36
